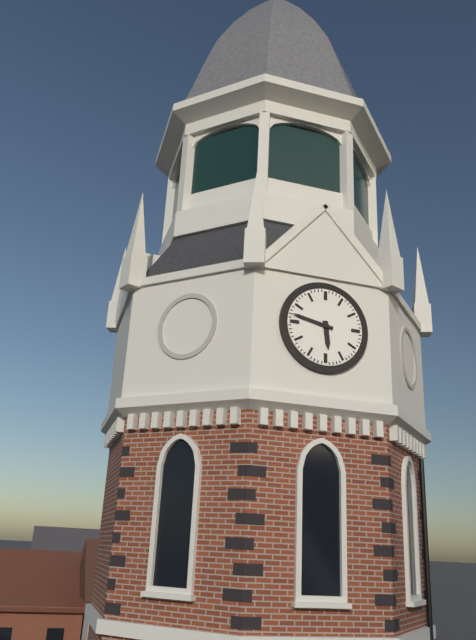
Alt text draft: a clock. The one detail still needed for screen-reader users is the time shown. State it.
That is 5:47
